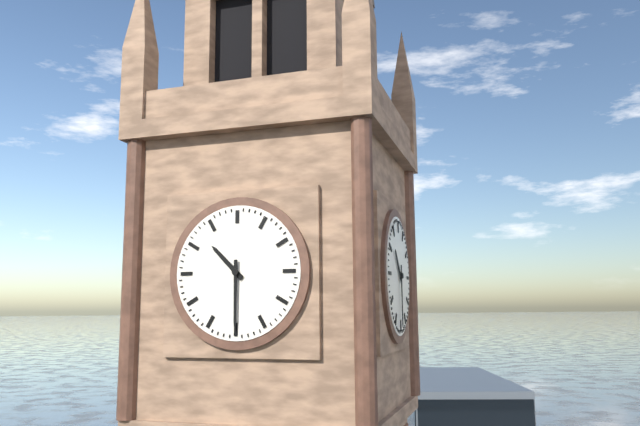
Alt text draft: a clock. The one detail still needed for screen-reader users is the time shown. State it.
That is 10:30
